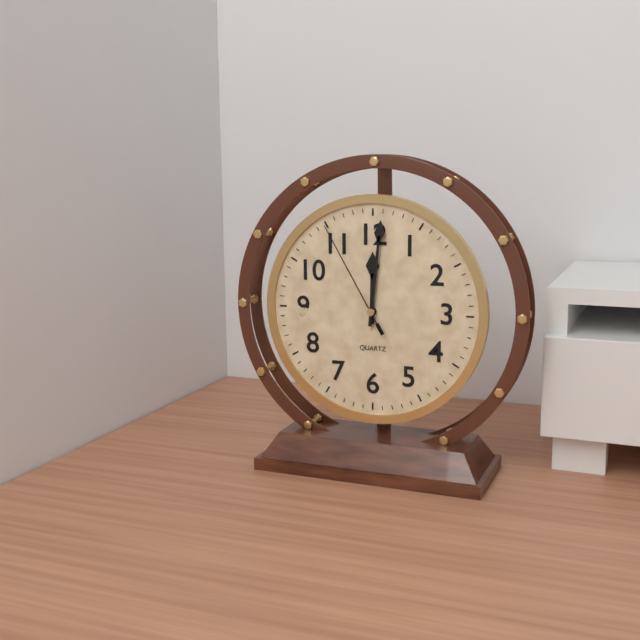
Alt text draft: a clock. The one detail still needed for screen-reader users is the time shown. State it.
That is 12:01:55
